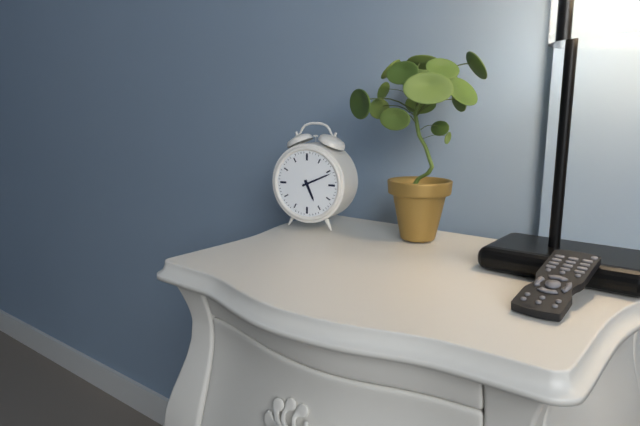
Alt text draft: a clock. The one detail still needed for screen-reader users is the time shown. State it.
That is 5:11
